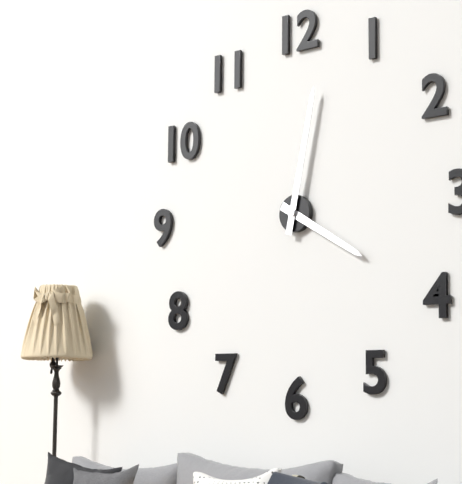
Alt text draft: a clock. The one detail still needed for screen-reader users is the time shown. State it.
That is 4:02
